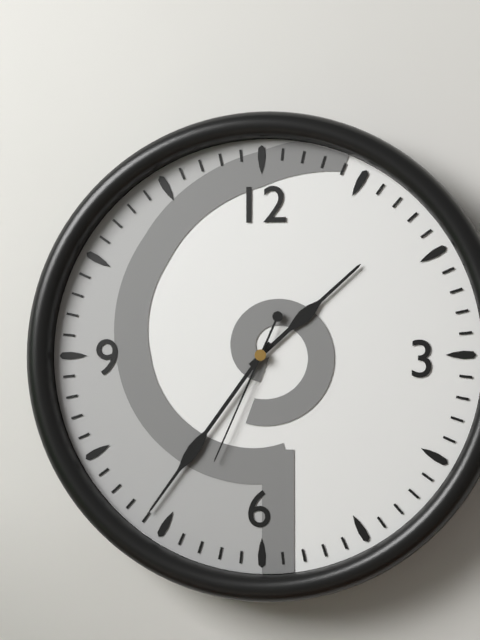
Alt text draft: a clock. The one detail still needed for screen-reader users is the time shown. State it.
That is 1:36:34
